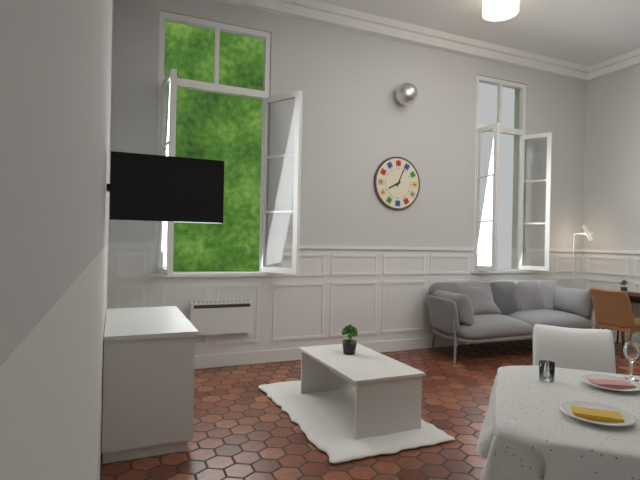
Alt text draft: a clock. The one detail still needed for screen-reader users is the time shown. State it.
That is 8:04
